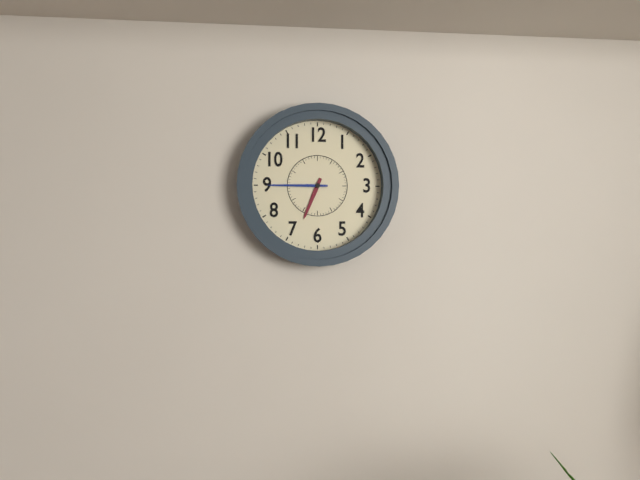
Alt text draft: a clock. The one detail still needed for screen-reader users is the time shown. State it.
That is 6:45
